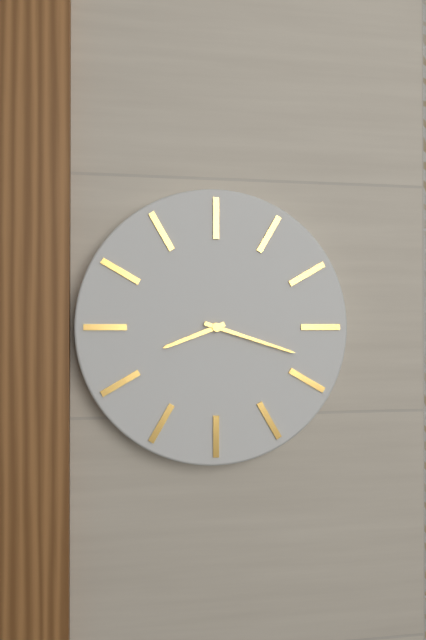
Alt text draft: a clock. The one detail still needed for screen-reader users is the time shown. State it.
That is 8:18
